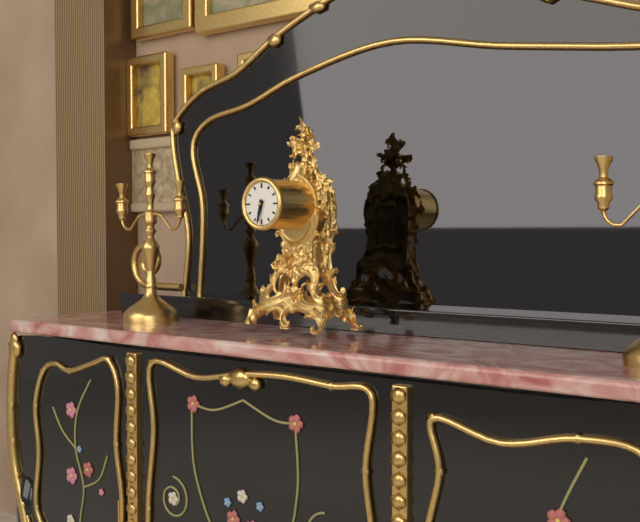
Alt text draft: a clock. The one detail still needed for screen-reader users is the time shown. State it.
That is 6:32
